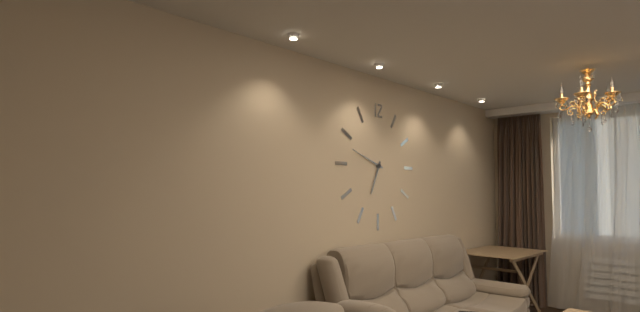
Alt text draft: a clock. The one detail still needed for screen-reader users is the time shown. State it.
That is 6:48
